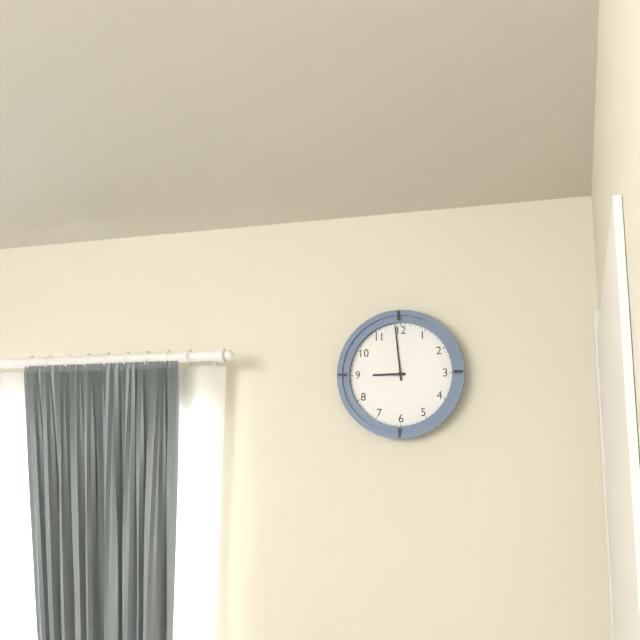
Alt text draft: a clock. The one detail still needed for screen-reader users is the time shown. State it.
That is 8:59
